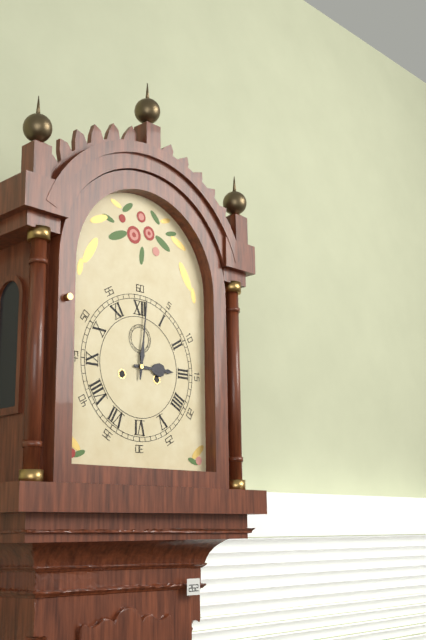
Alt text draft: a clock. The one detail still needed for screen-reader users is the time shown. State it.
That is 3:01
